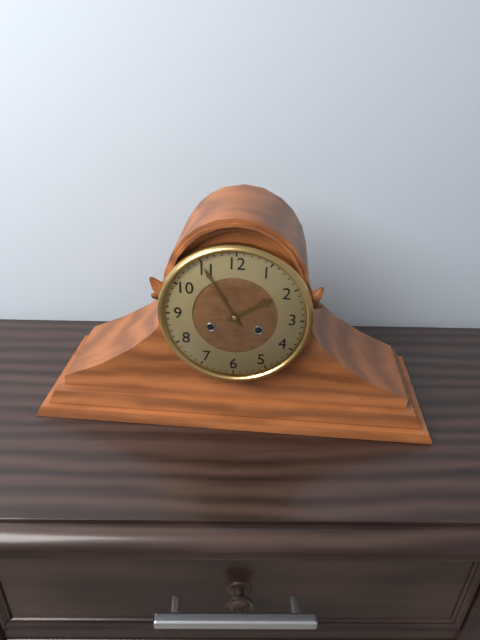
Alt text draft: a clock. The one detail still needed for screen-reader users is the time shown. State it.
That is 1:55
